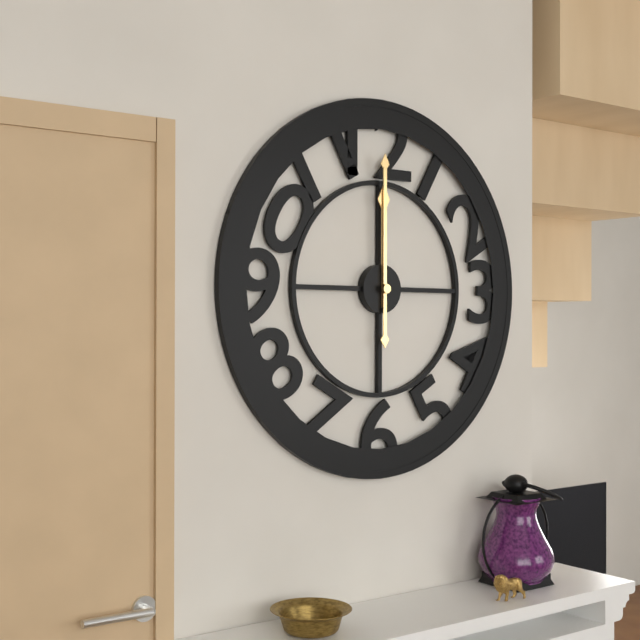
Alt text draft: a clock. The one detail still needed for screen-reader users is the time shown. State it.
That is 12:00
